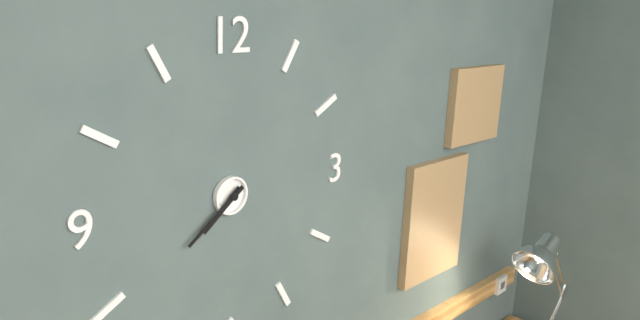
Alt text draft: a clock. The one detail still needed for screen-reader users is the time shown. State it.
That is 7:39
